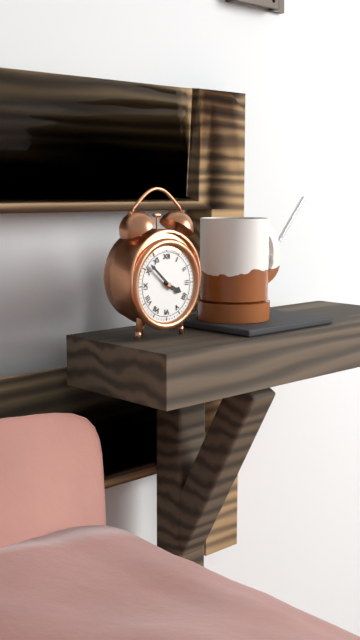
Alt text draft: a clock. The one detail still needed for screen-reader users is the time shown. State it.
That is 3:52
